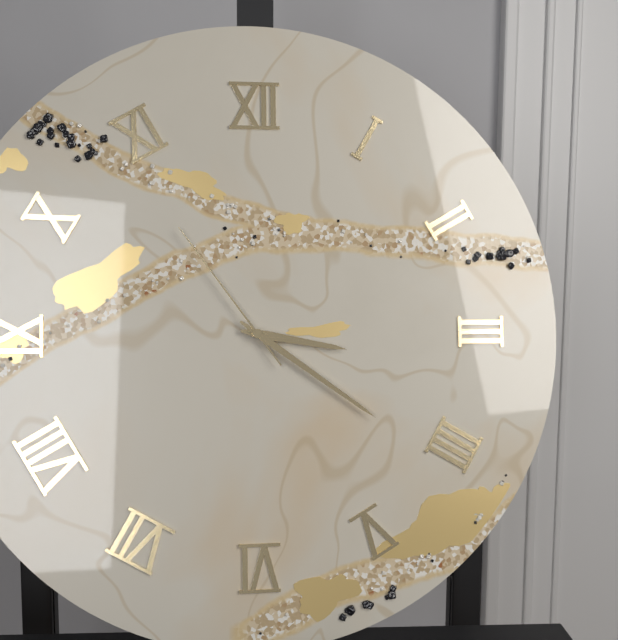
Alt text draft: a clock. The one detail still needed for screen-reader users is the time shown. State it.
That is 3:21:54
